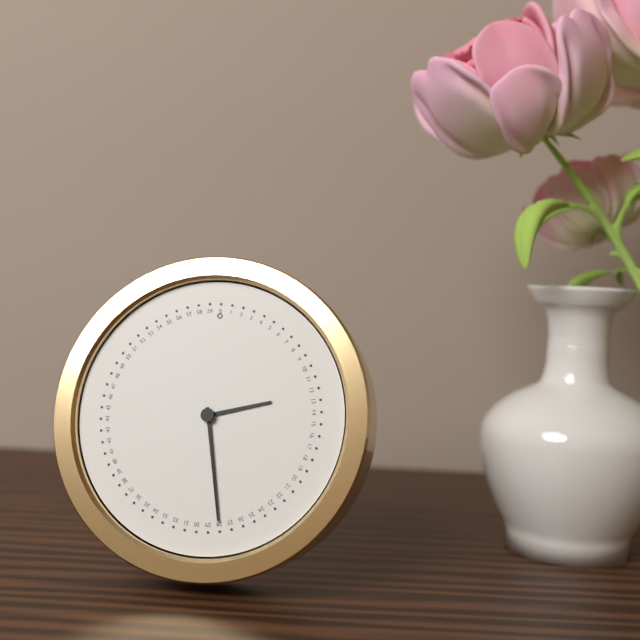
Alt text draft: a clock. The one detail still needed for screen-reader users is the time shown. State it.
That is 2:28
